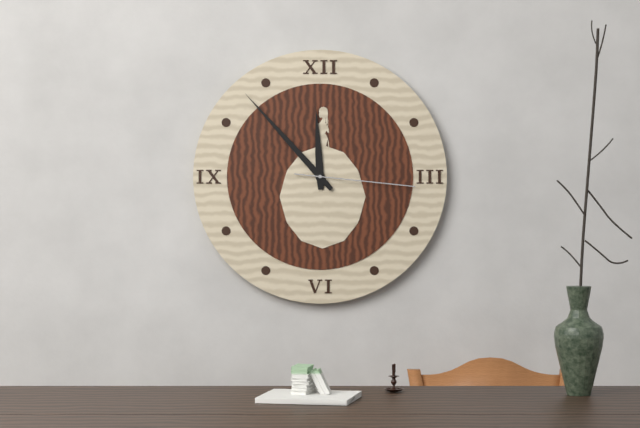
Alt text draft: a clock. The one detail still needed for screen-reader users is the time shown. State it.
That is 11:53:16
